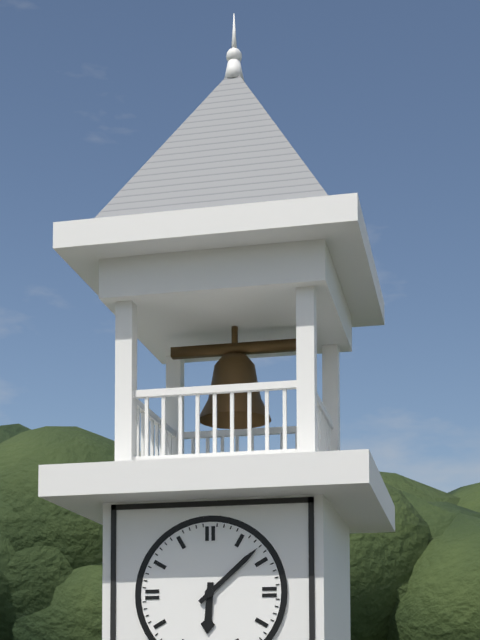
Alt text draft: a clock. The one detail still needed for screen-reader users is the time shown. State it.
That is 6:08
